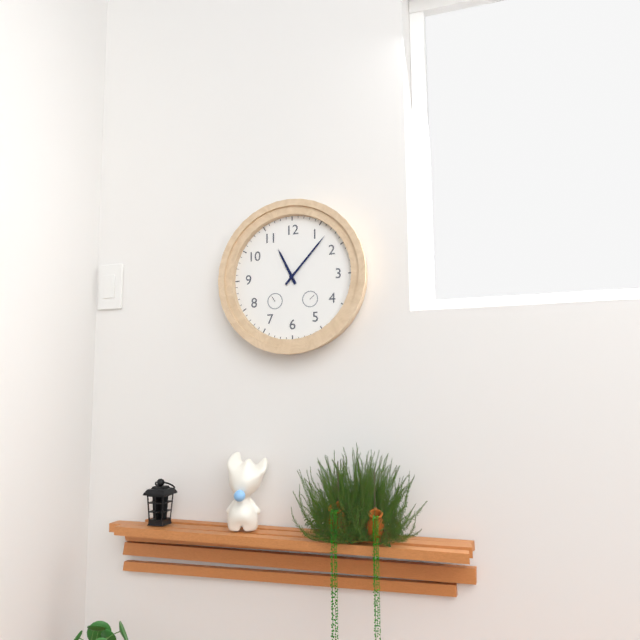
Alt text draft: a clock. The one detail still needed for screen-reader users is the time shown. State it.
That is 11:07
